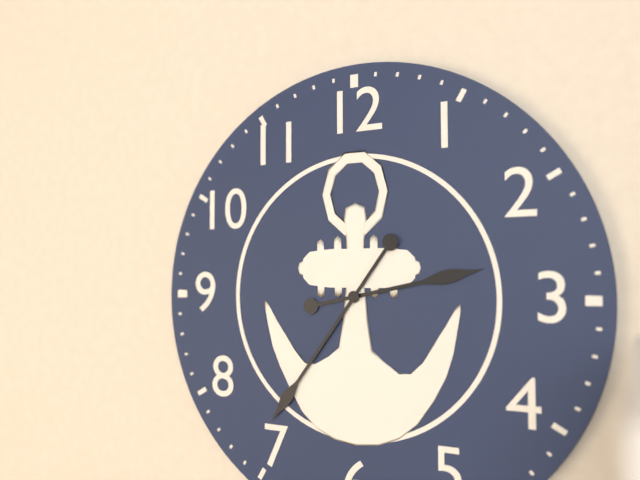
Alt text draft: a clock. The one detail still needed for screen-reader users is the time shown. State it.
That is 2:36
